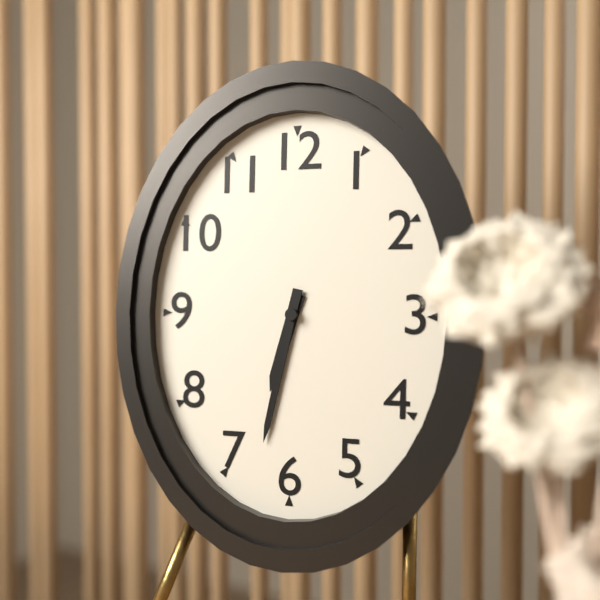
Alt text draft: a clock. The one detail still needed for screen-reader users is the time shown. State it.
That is 6:32
